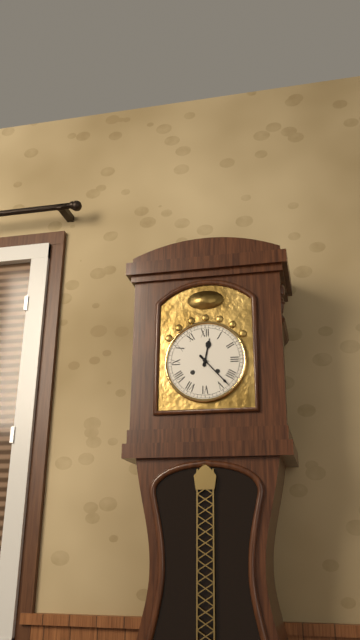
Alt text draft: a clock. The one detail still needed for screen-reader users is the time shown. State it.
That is 12:23
